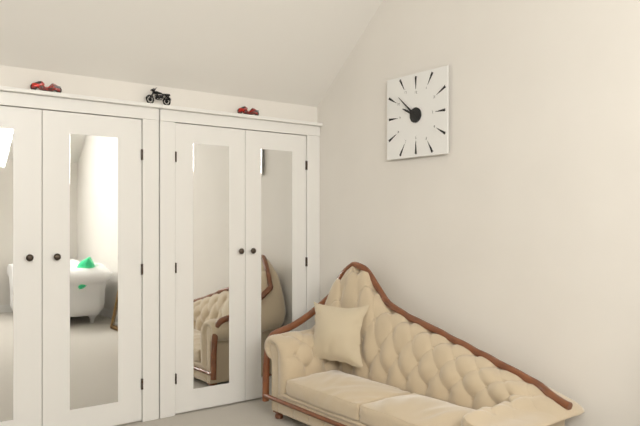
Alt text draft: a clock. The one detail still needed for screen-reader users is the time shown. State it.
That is 9:52
